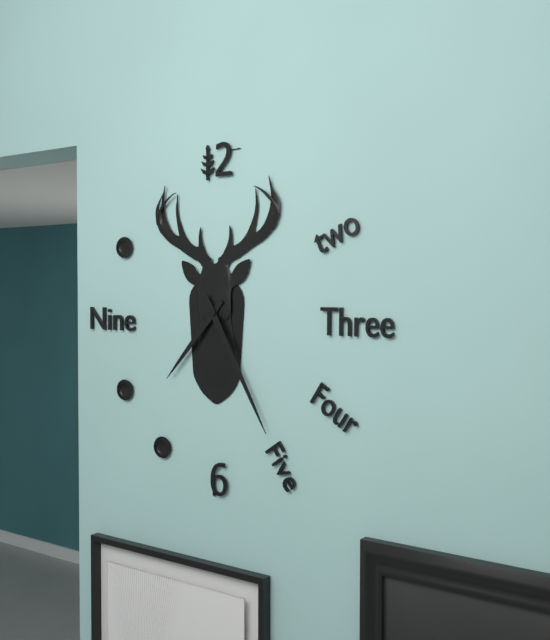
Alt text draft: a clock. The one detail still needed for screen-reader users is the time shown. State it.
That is 7:25
